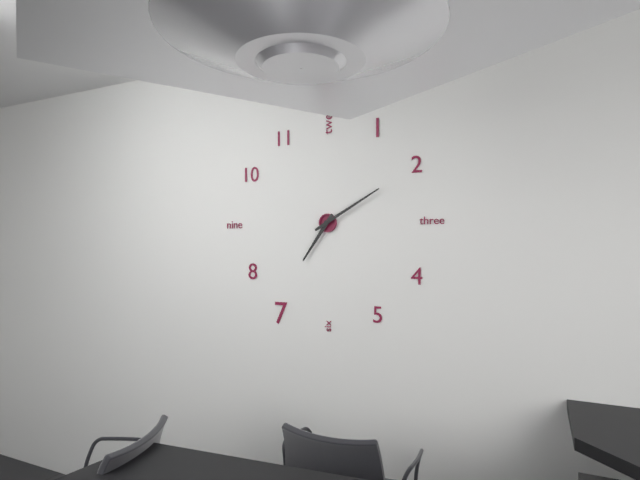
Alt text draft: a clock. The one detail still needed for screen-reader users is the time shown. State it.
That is 7:10
